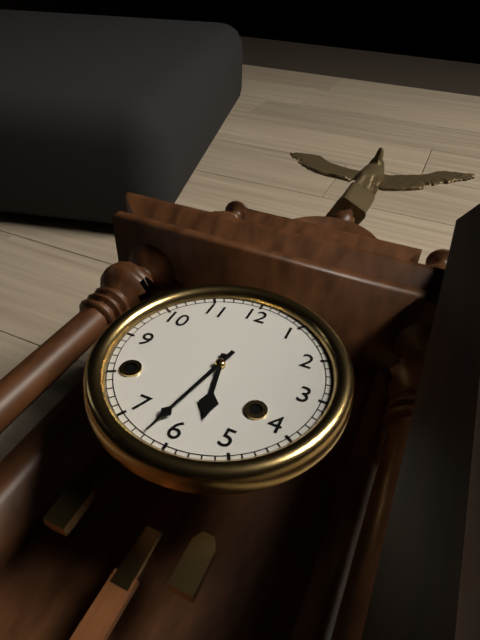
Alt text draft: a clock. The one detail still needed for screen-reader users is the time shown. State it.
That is 5:32
